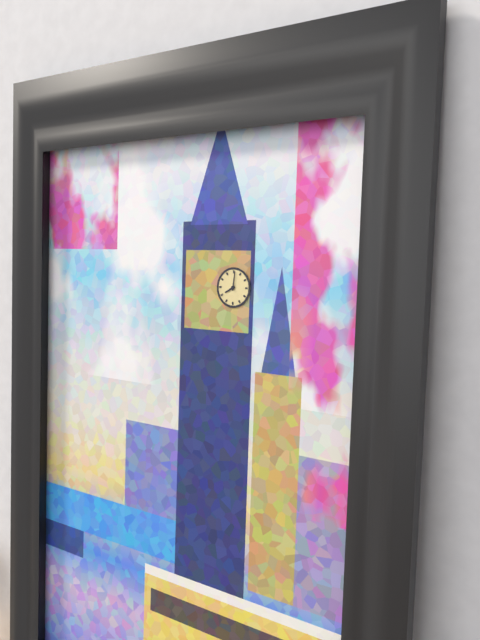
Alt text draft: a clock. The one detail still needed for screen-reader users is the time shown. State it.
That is 8:01
